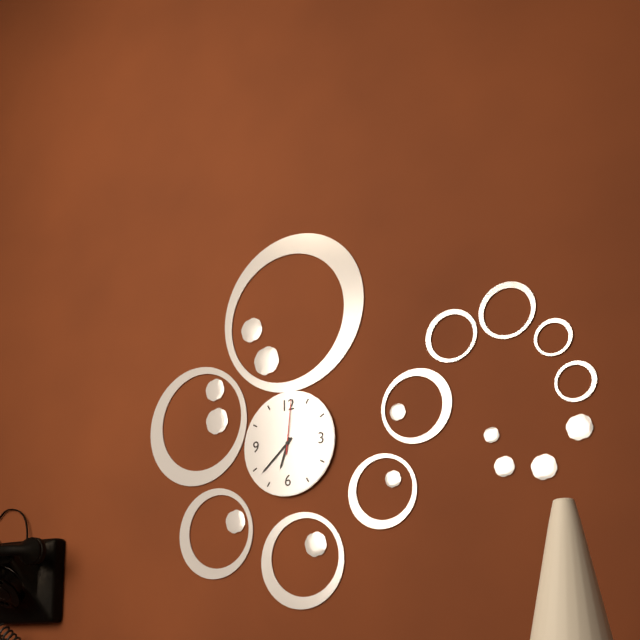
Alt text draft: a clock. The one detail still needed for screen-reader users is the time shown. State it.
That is 6:38:01
